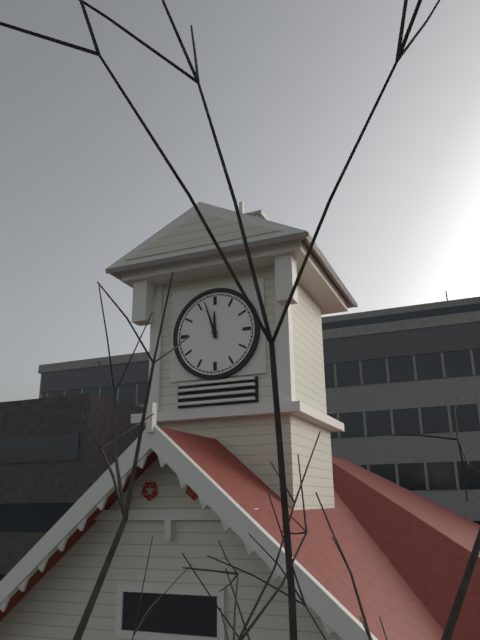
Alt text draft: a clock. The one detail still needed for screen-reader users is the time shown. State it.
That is 11:57
